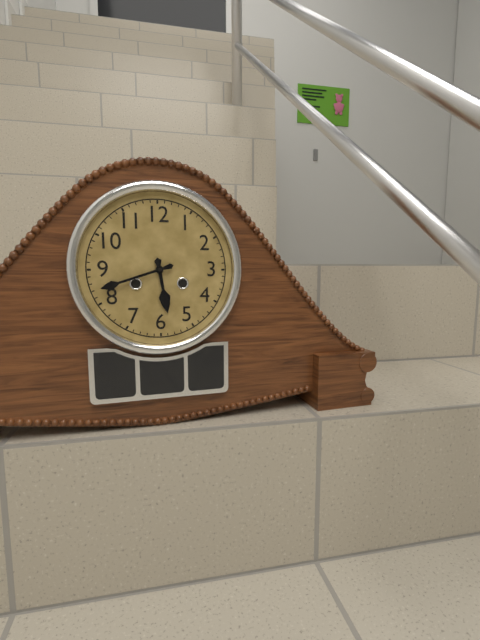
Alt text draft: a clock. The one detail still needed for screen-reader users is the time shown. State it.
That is 5:42
